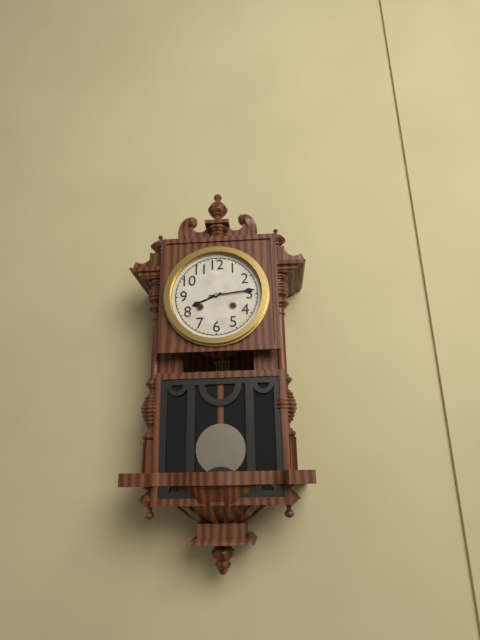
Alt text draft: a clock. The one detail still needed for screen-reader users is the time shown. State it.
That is 8:14
